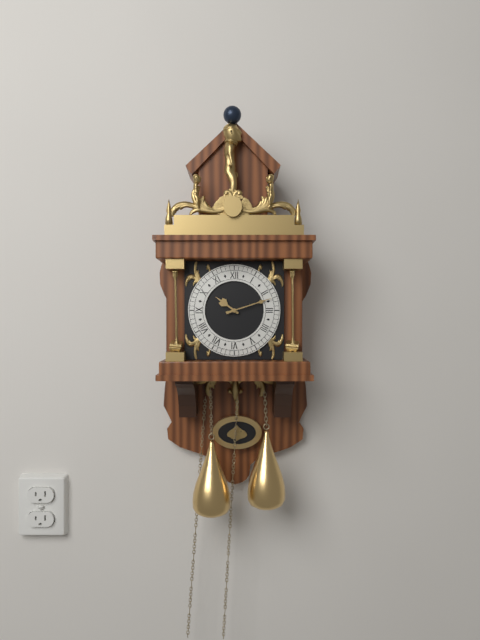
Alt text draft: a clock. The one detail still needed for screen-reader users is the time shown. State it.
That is 10:12
